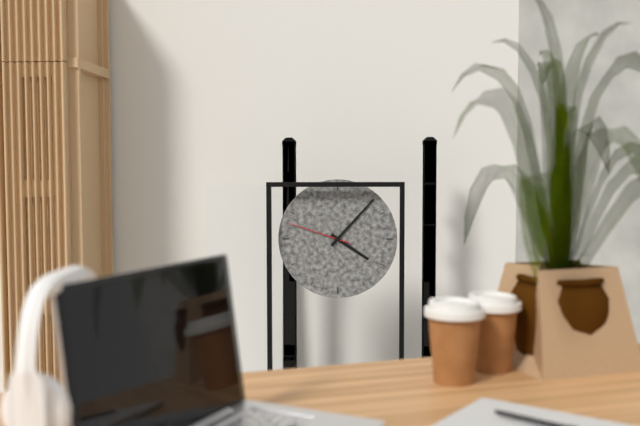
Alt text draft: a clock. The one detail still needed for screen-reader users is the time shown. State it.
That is 4:07:48
